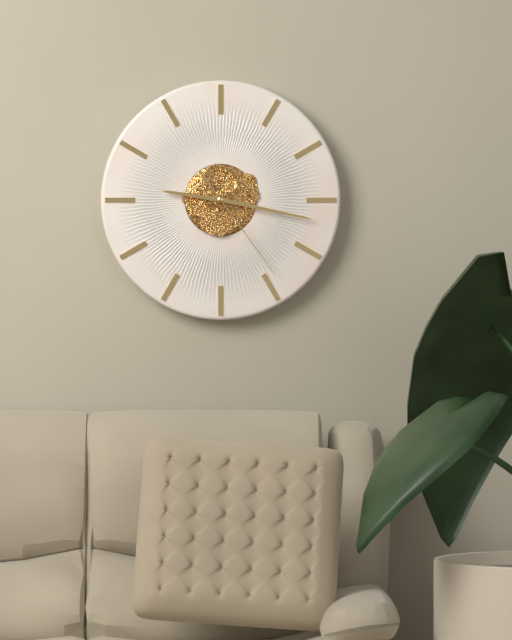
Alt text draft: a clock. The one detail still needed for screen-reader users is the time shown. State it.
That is 9:17:24
